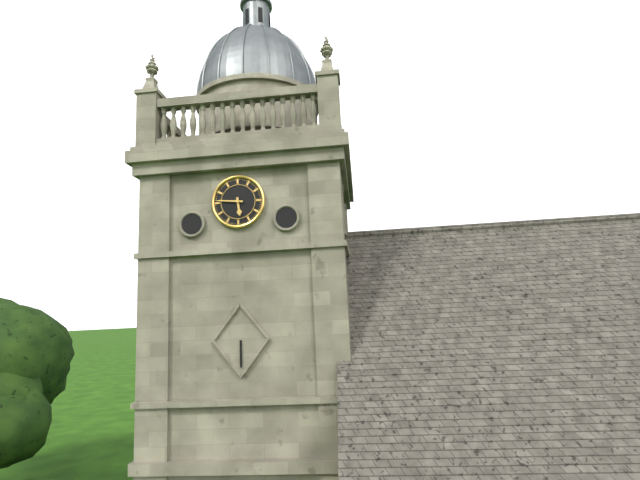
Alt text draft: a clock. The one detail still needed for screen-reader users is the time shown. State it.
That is 5:46
